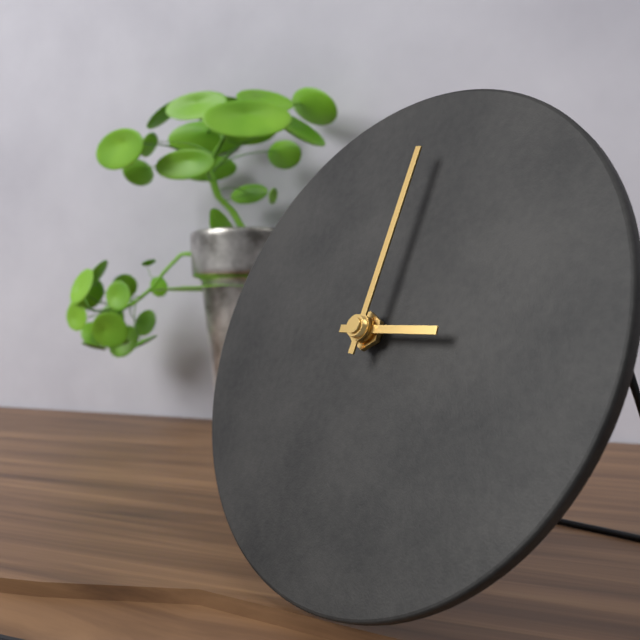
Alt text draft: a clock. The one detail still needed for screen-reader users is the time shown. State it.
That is 3:01
